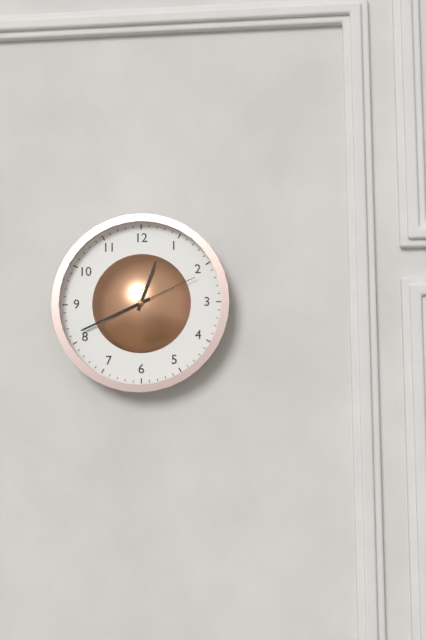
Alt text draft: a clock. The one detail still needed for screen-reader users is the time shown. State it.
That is 12:41:11
